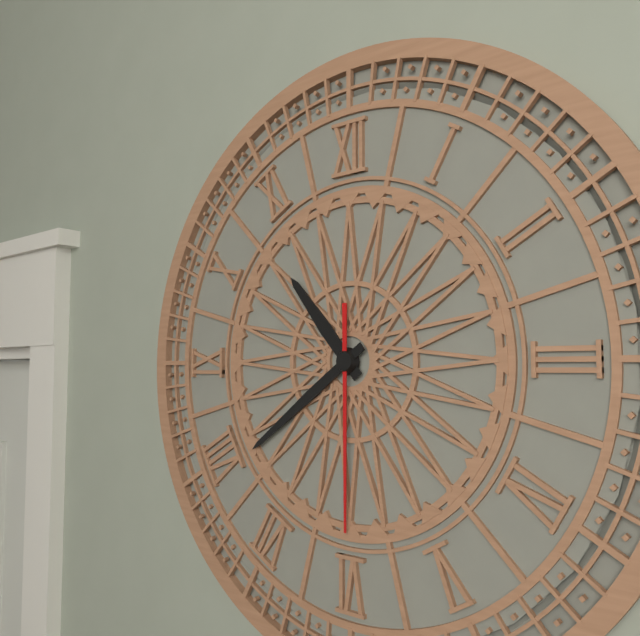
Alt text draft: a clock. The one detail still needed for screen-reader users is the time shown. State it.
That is 10:39:30
